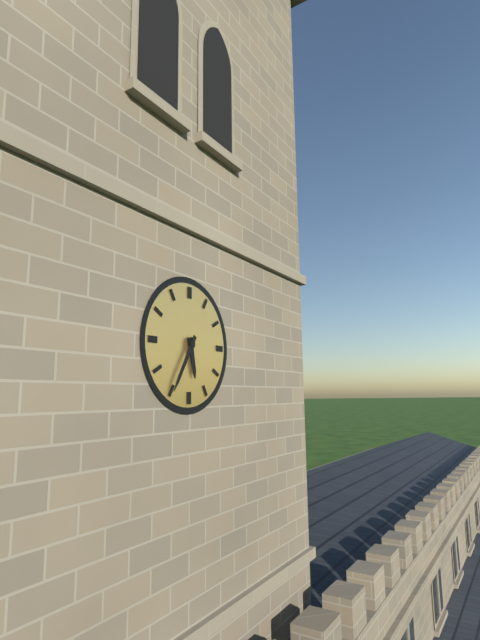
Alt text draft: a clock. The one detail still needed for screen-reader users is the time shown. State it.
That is 5:35
